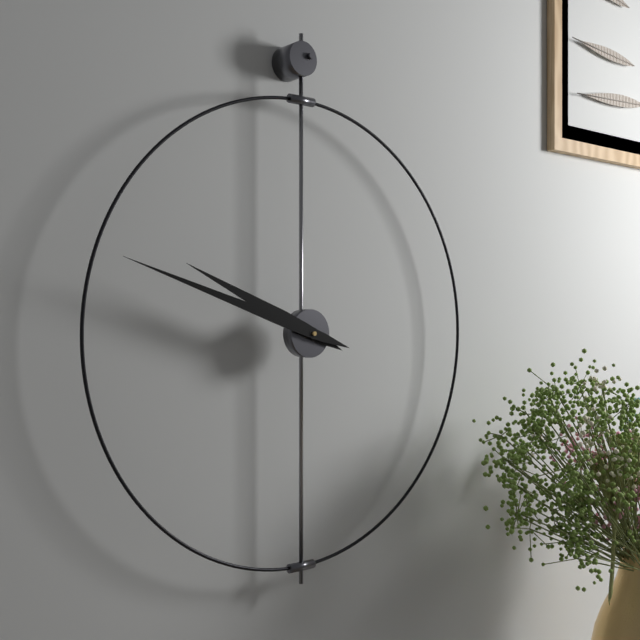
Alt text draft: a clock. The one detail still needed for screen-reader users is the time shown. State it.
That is 9:48
